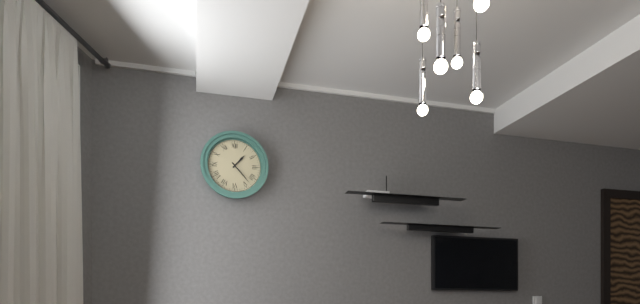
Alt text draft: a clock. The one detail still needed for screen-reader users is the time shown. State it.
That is 1:23
